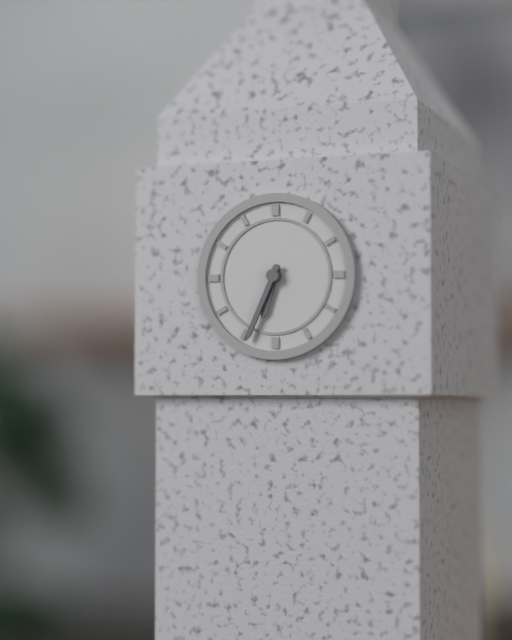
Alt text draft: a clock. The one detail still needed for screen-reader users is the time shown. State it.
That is 6:34
